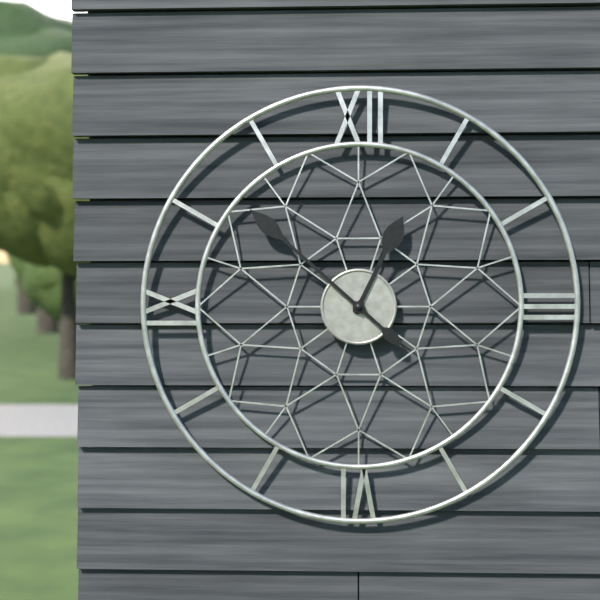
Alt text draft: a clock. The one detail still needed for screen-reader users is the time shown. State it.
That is 12:52
